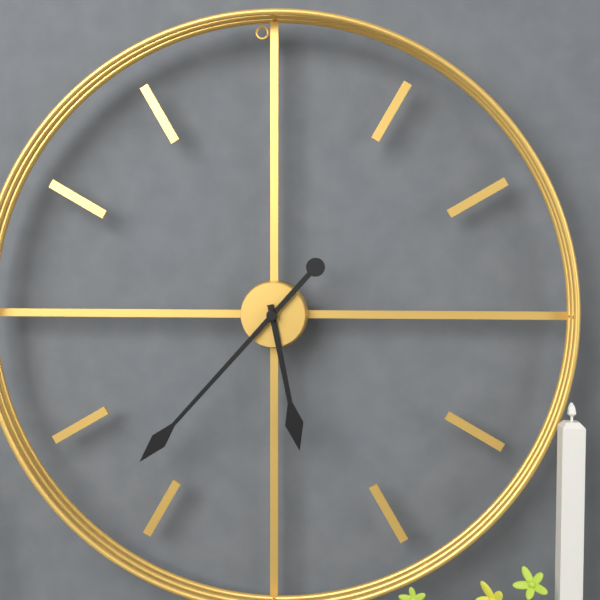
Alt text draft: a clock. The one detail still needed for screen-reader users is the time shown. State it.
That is 5:37
